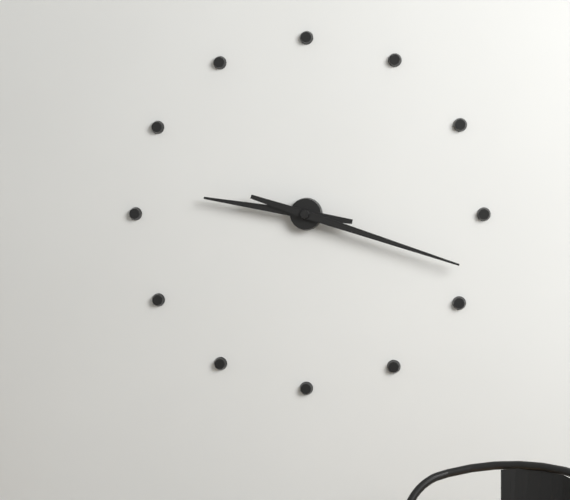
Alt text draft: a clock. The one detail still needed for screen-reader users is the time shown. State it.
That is 9:18
